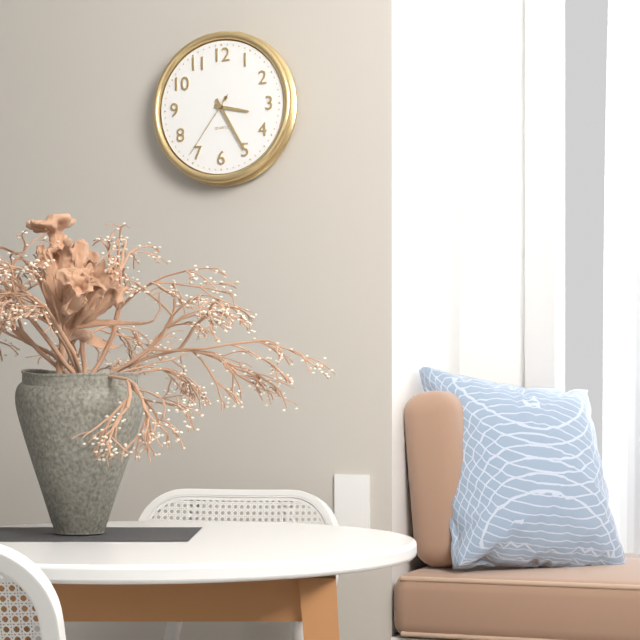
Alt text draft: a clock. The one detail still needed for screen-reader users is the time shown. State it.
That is 3:25:36
